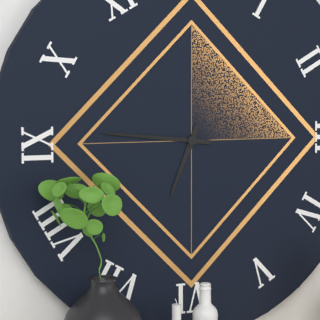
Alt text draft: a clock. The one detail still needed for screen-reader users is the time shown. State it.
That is 6:46
